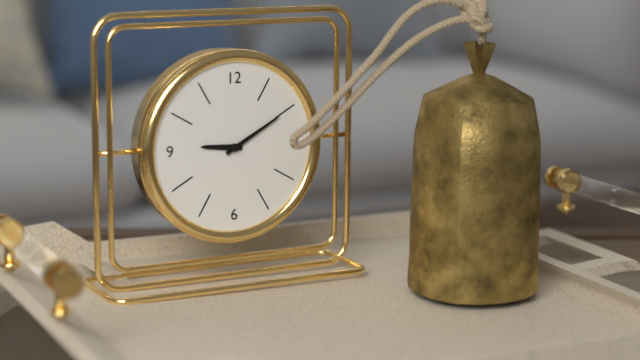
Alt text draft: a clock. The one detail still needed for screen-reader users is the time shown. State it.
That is 9:10
